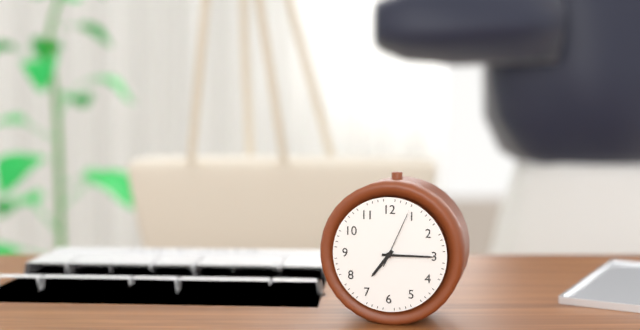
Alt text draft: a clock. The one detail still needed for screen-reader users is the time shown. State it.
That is 7:15:04
